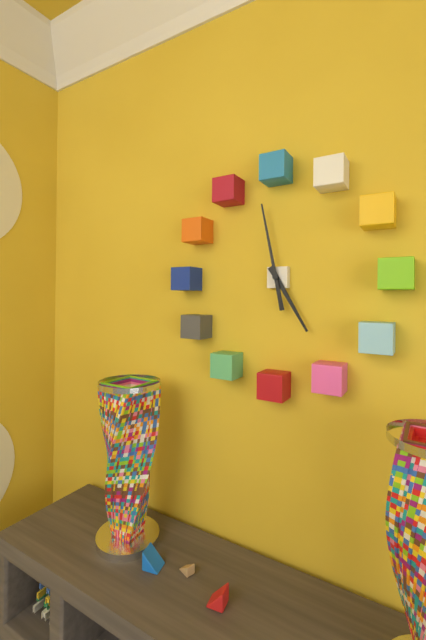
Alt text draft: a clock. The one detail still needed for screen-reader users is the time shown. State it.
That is 4:58
